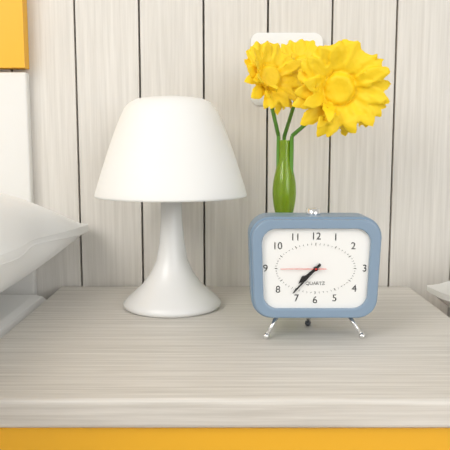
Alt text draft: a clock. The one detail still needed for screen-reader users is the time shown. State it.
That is 7:37
